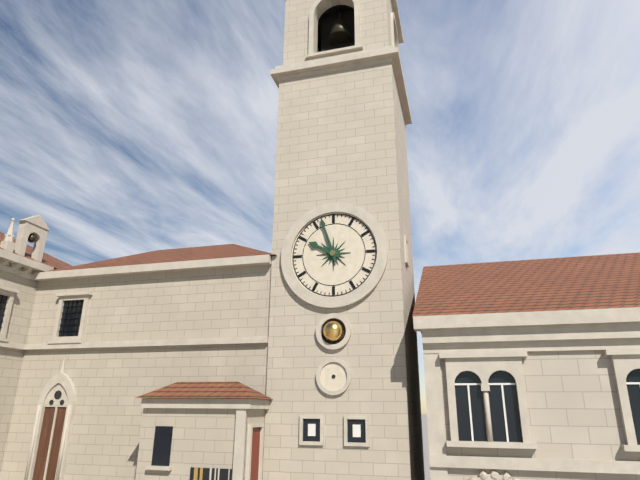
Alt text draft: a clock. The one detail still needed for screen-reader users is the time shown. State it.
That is 9:57
